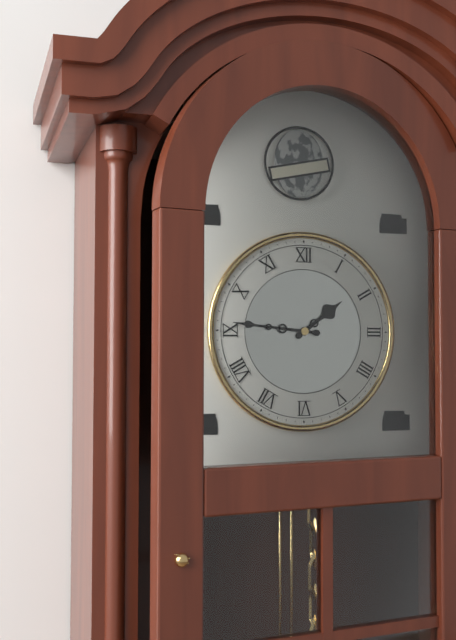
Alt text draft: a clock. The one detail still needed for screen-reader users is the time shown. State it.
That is 1:46
